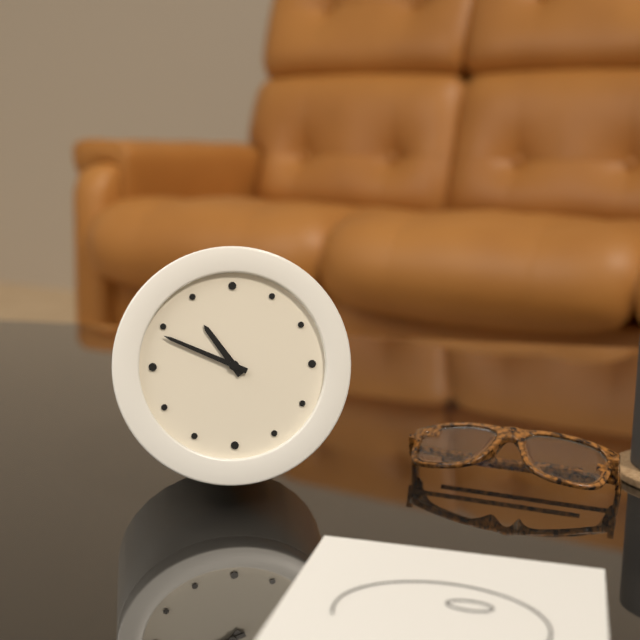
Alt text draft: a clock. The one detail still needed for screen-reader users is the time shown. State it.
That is 10:49
